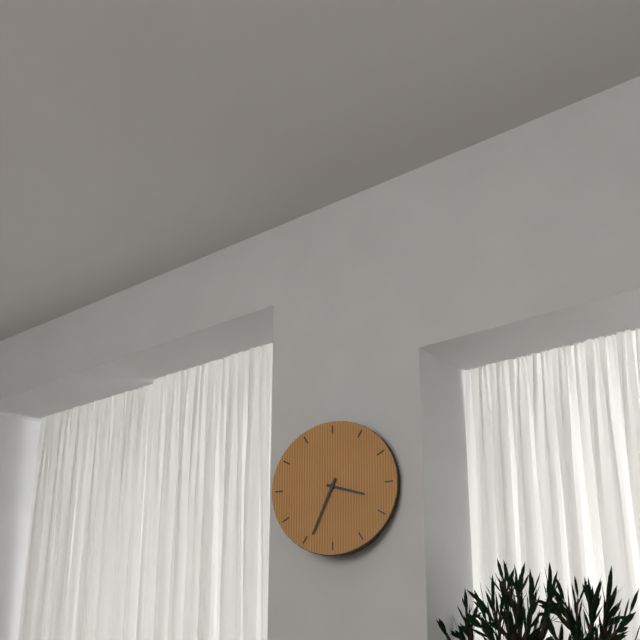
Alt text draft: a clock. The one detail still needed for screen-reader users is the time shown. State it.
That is 3:34
